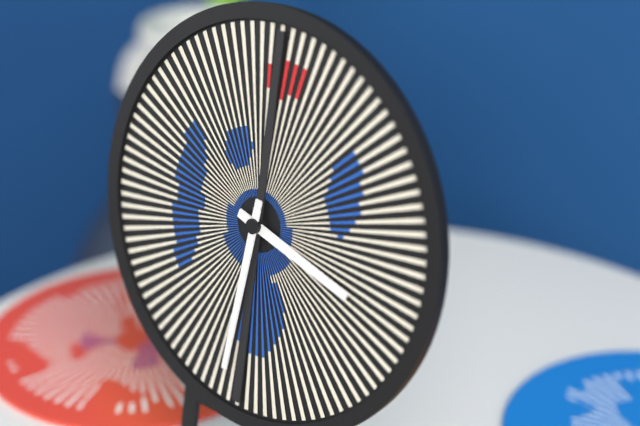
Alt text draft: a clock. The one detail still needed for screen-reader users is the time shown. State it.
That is 3:31
